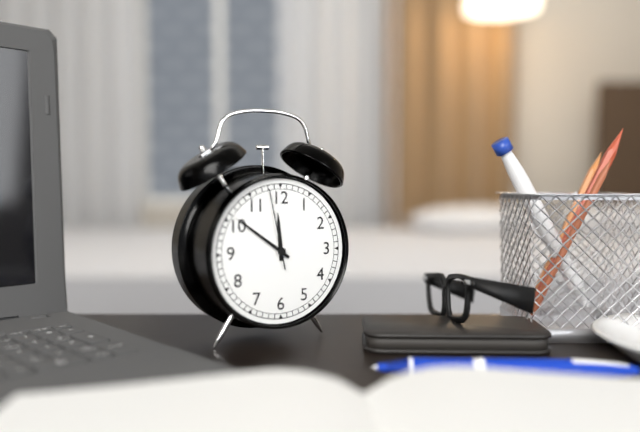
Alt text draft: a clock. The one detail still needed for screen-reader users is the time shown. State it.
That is 11:51:58
